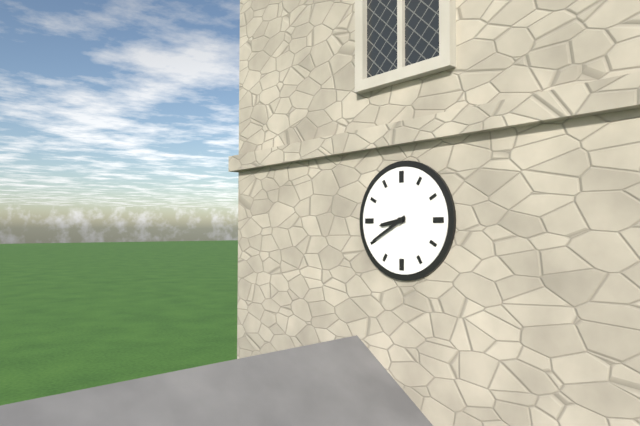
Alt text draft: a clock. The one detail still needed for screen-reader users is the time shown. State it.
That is 8:40
